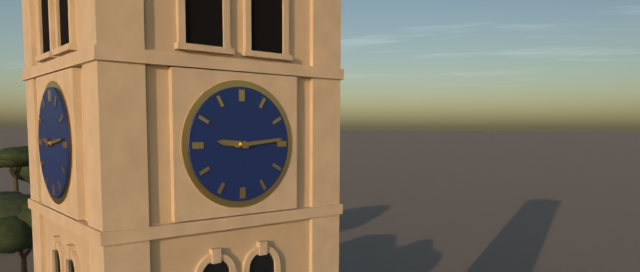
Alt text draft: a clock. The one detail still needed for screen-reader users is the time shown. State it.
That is 9:14
